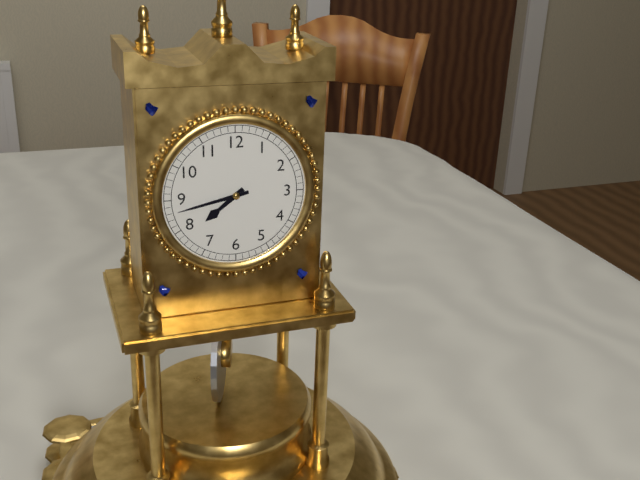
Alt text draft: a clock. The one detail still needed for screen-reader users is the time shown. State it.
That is 7:43
